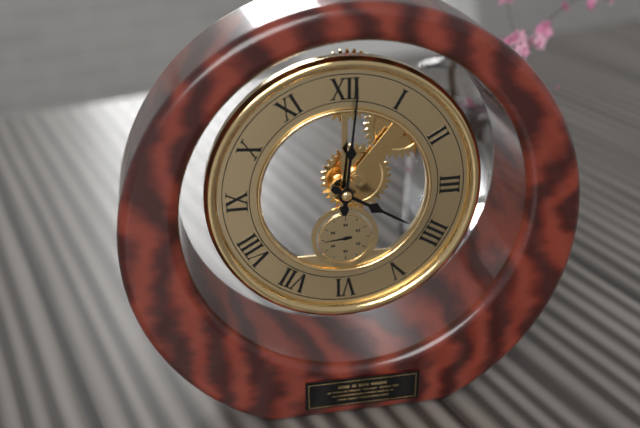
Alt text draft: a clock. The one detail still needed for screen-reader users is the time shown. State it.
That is 4:01
